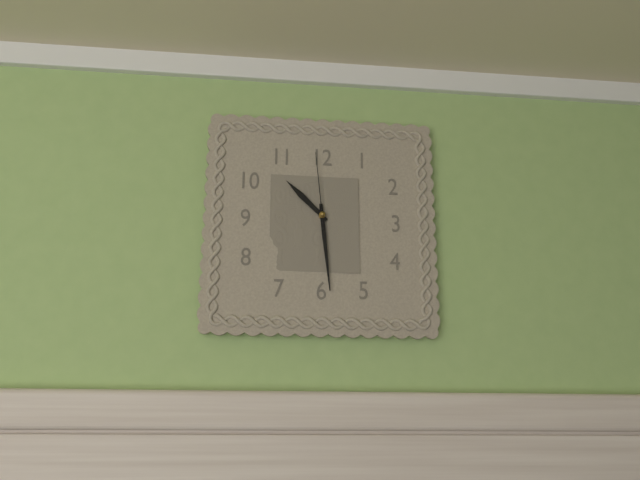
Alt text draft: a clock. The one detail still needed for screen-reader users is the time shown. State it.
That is 10:29:59
